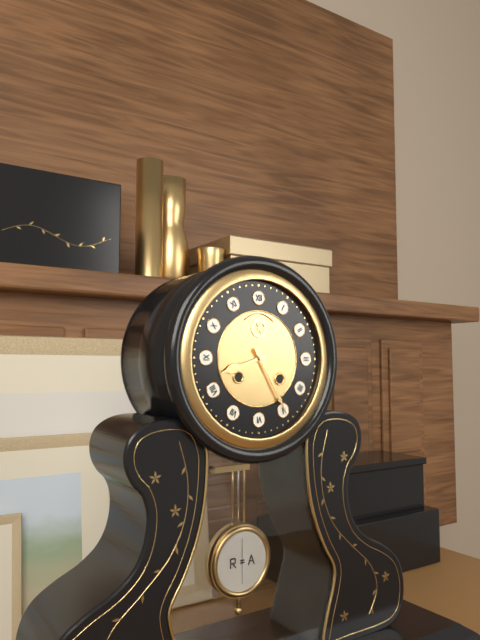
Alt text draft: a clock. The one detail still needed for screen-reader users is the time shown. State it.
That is 8:25
